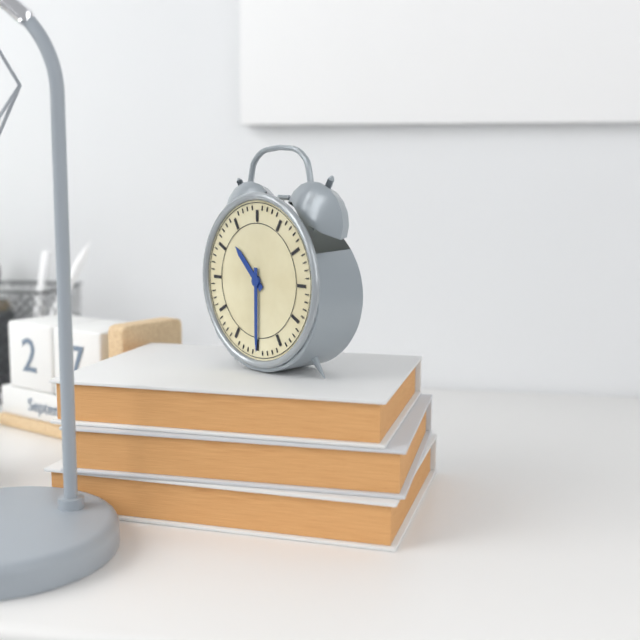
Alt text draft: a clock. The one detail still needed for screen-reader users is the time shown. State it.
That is 10:30
